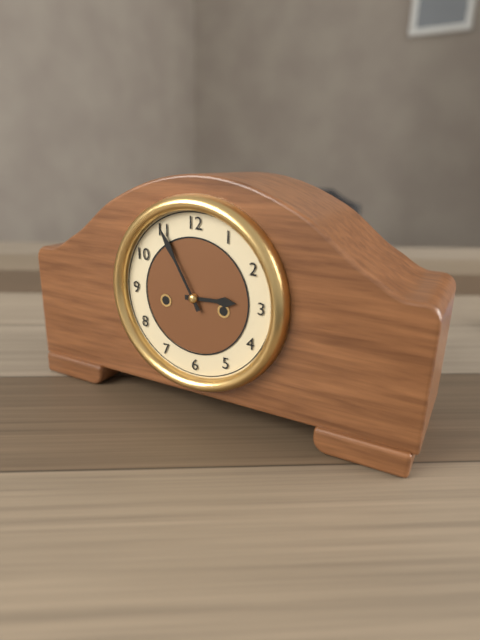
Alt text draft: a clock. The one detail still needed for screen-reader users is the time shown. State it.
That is 2:55
